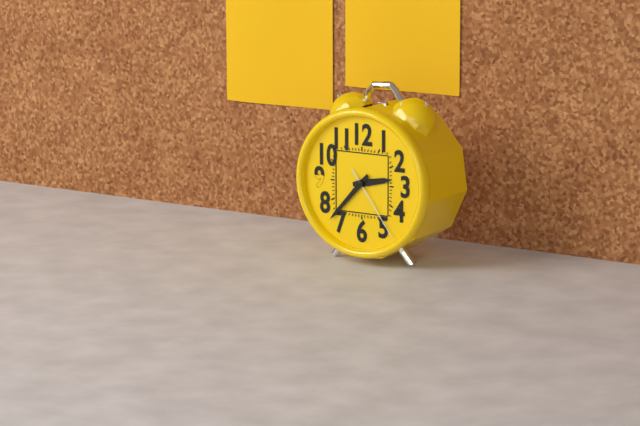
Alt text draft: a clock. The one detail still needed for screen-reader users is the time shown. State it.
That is 2:37:24
